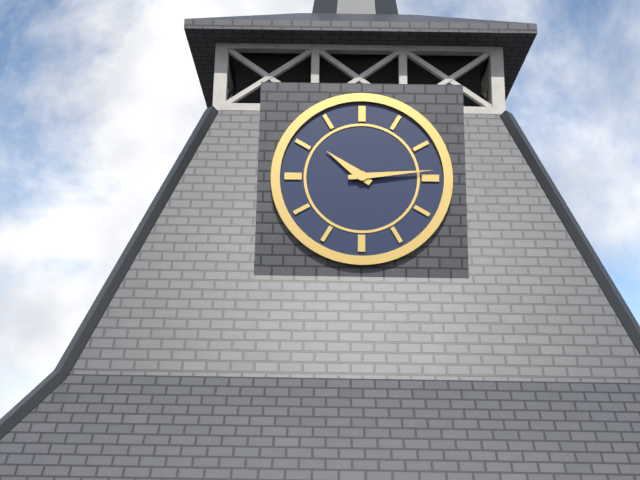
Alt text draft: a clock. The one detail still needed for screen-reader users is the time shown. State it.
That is 10:14
